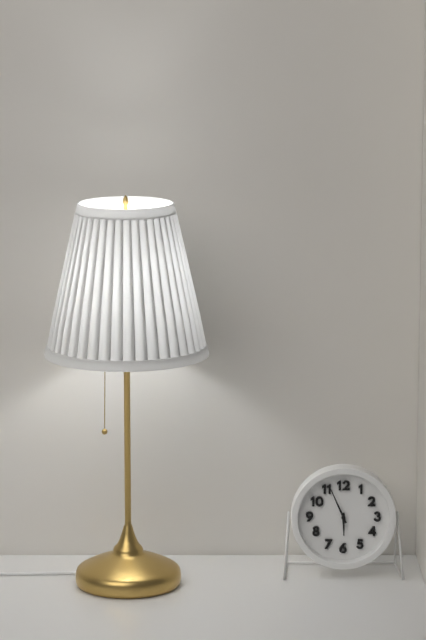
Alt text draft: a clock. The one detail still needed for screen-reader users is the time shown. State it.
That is 5:56
